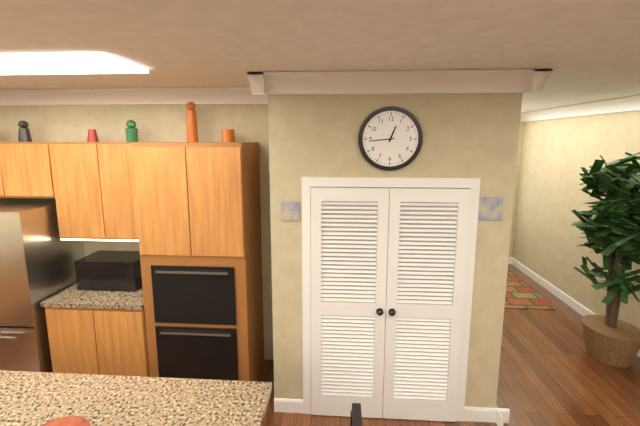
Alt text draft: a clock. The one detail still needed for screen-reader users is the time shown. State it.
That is 12:44
